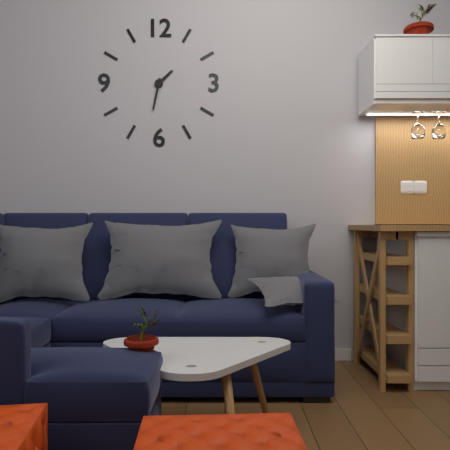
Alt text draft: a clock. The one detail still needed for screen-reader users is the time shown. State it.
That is 1:32
